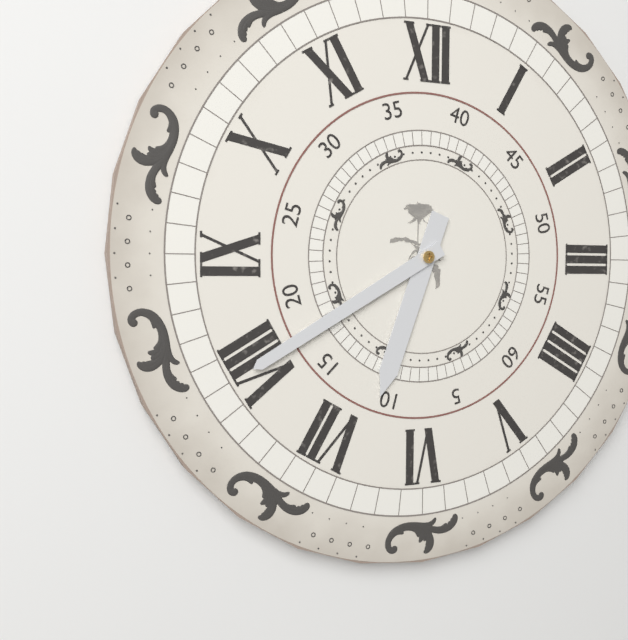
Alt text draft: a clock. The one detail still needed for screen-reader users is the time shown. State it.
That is 6:40
